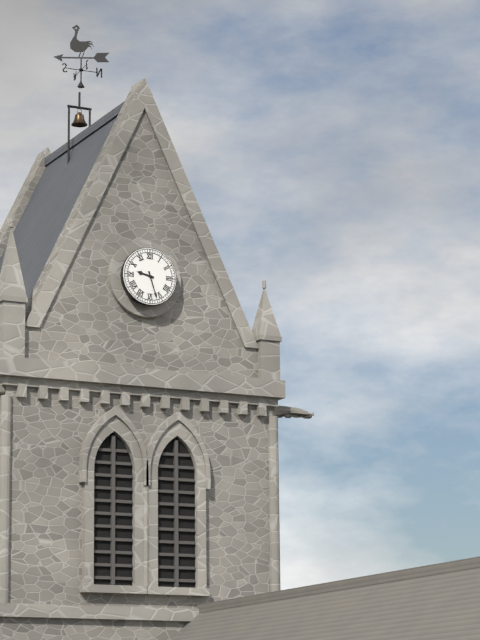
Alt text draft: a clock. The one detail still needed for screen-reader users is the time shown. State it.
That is 9:27
